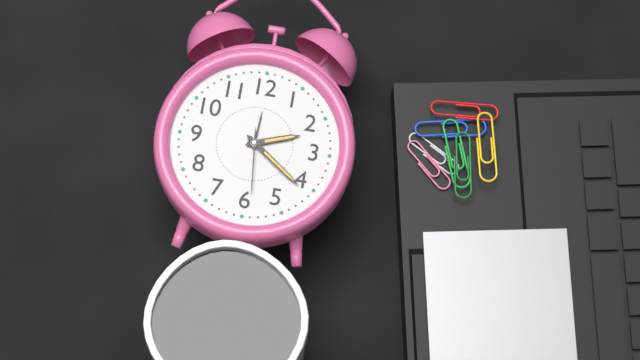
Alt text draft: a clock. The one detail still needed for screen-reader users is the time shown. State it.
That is 2:21:29
